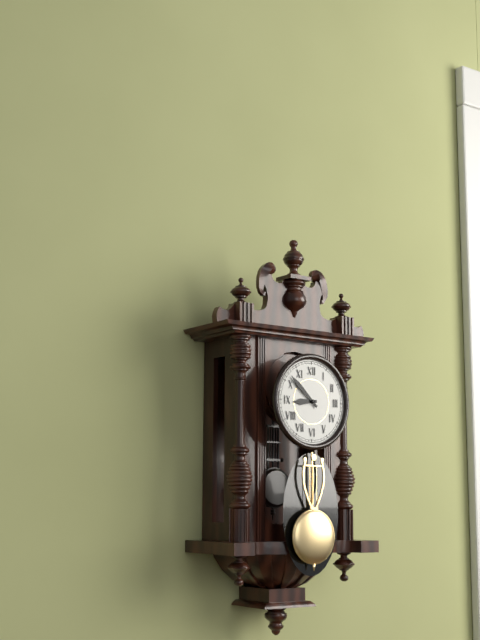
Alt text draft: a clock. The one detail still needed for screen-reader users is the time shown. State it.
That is 8:52
